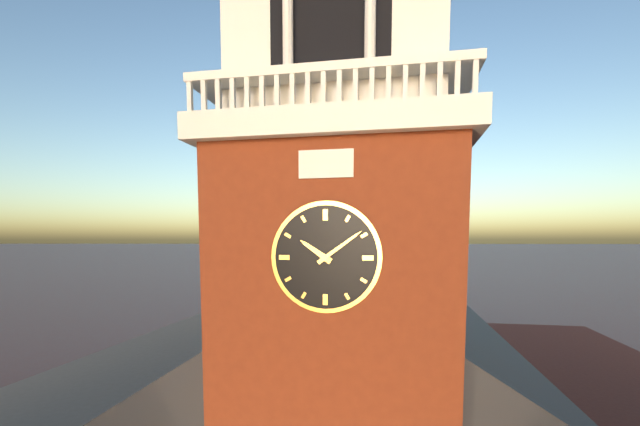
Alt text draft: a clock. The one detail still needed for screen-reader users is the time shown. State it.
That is 10:09
